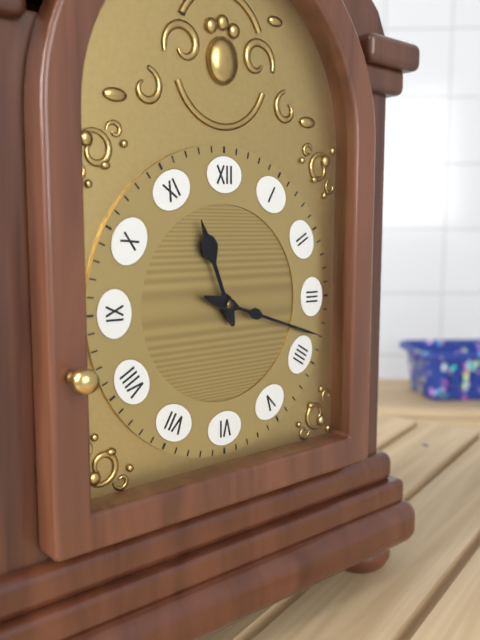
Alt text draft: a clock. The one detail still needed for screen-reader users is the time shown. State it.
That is 11:18
